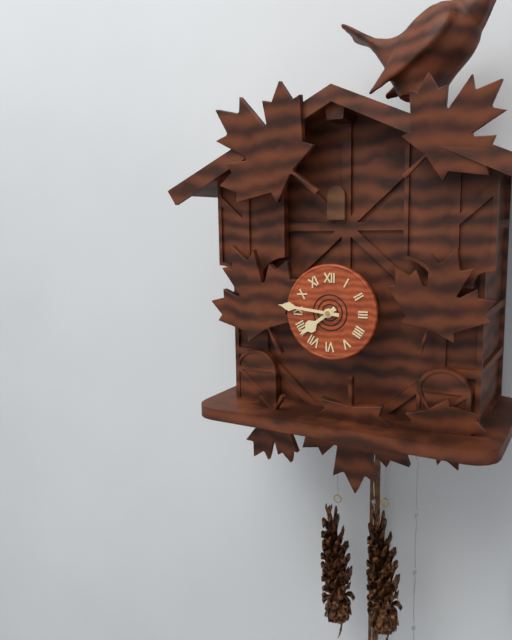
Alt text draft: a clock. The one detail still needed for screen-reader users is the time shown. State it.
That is 7:46
